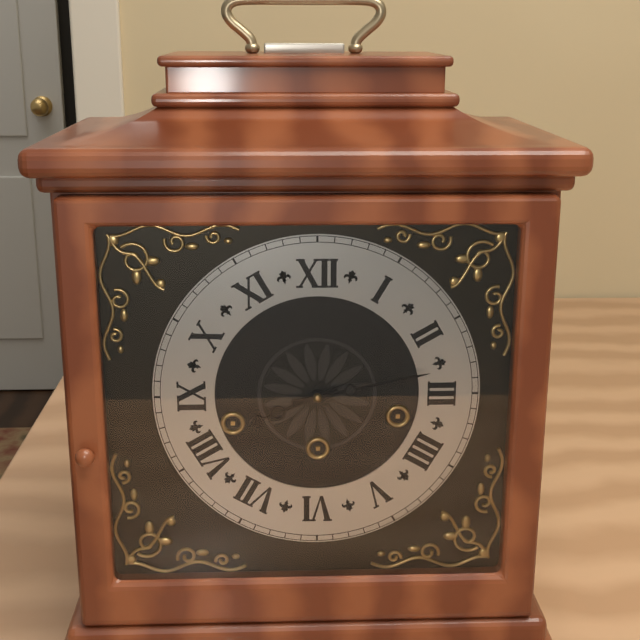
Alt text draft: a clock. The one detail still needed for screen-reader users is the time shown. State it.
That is 8:13
